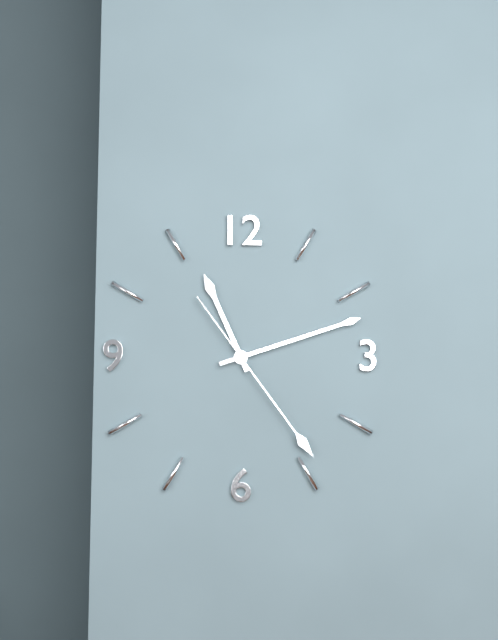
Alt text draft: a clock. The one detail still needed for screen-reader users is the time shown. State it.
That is 11:12:24
